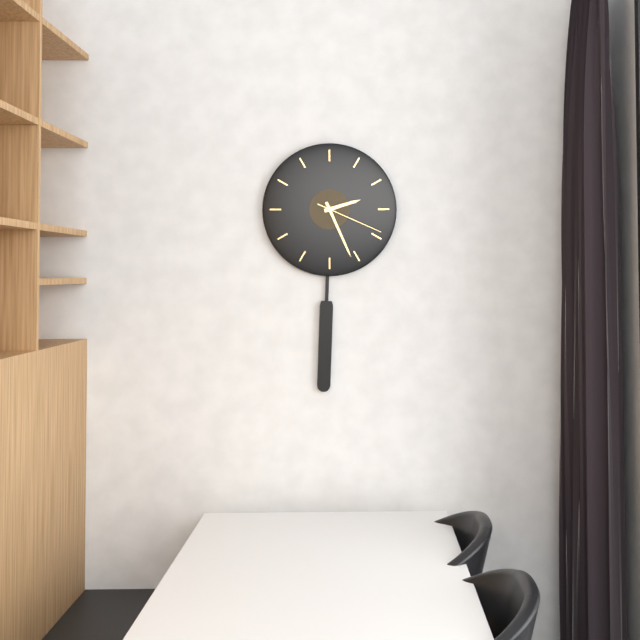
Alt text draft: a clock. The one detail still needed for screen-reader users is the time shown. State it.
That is 2:26:19
